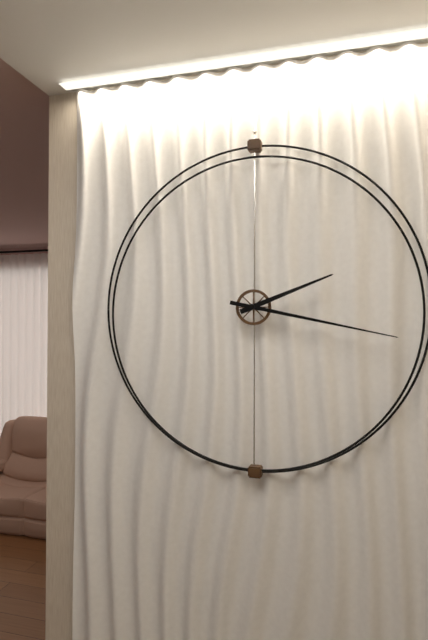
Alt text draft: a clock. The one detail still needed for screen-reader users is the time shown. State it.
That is 2:17
